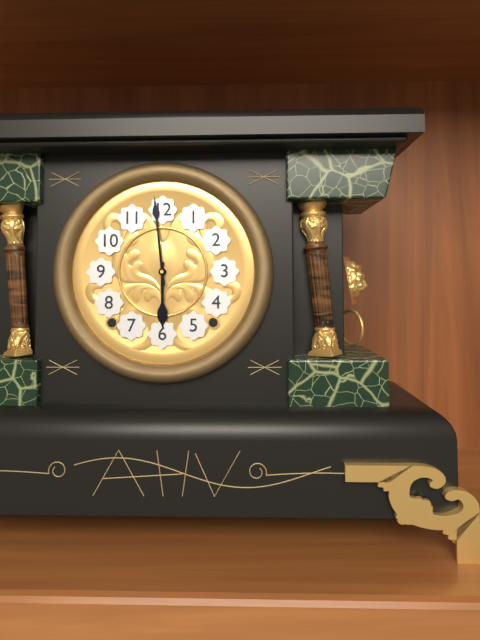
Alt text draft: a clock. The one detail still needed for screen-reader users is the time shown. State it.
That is 5:59
